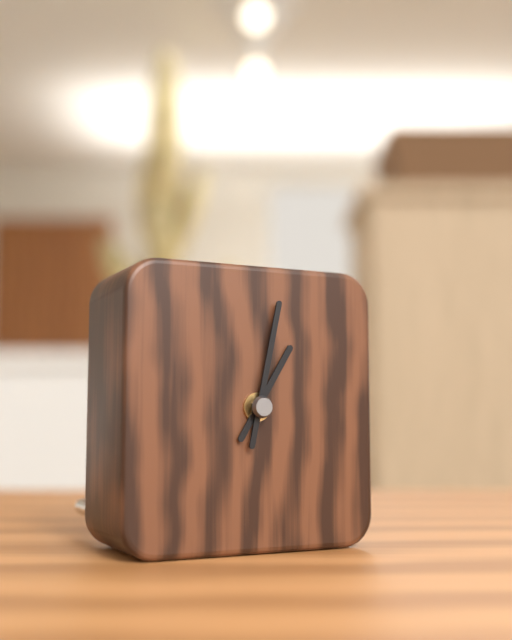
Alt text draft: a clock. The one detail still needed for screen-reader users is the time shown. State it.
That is 1:02
